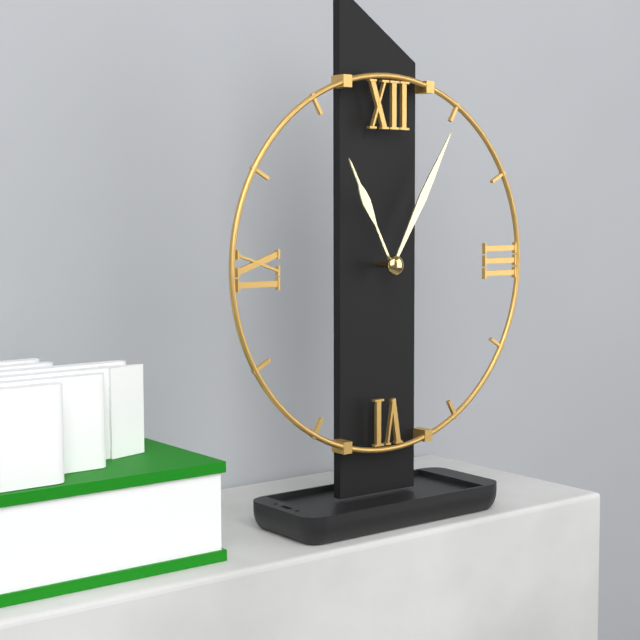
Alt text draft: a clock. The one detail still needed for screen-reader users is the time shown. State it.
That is 11:05
